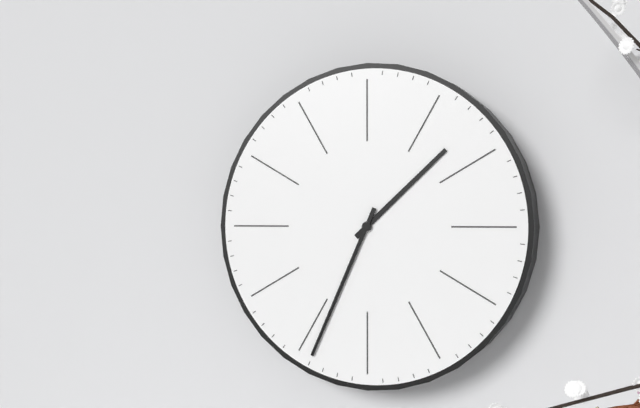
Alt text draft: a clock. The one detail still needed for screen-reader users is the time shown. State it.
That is 1:34
